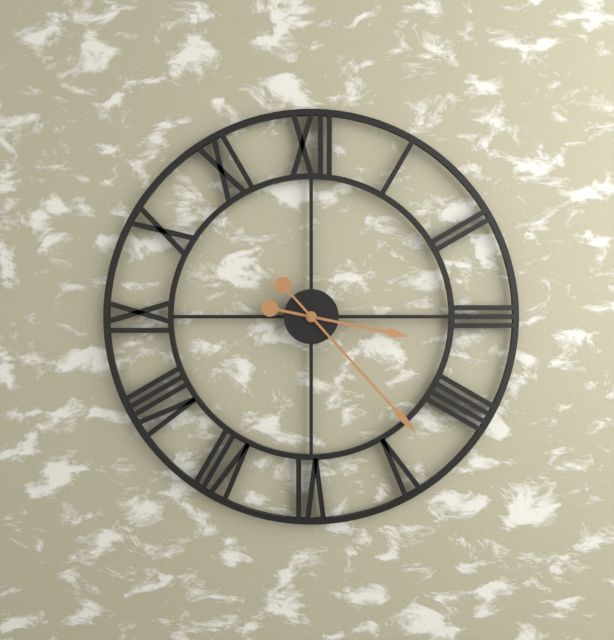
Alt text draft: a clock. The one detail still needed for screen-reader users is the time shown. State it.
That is 3:23
